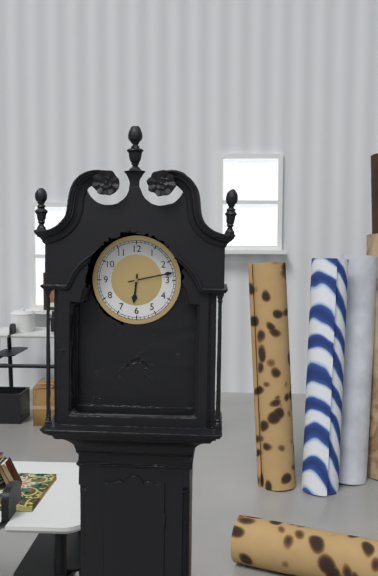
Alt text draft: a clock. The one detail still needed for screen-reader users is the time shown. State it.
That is 6:13
